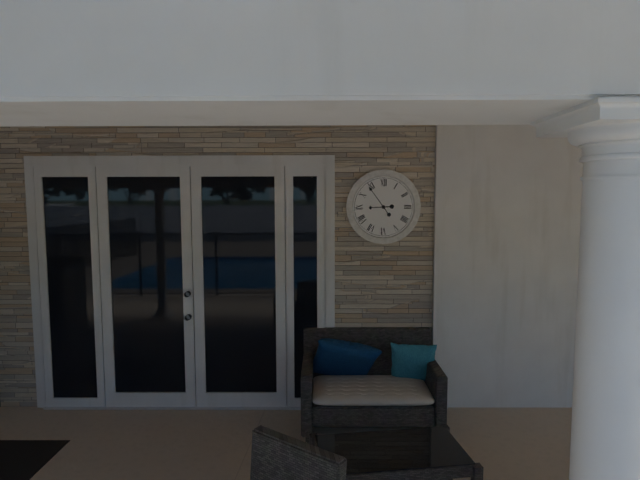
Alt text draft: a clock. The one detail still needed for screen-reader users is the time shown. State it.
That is 8:54
